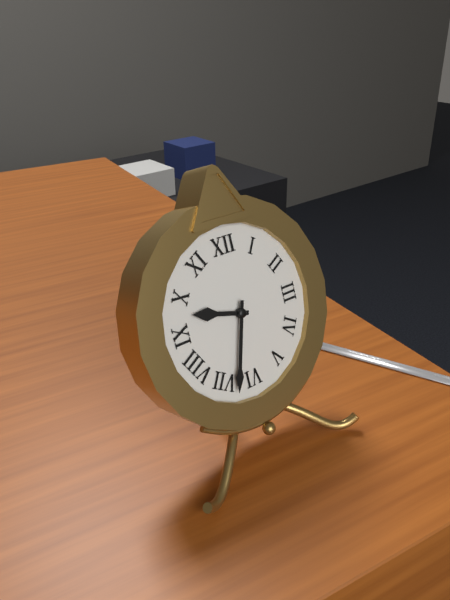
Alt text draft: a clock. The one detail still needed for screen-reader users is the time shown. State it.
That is 9:33
